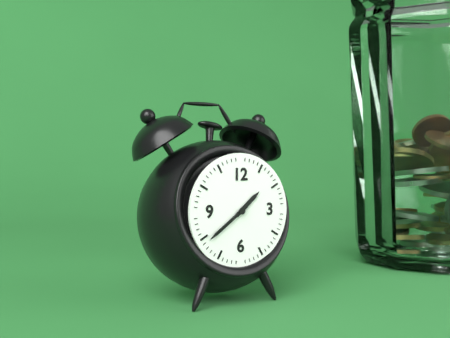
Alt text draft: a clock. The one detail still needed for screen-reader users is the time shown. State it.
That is 1:39
